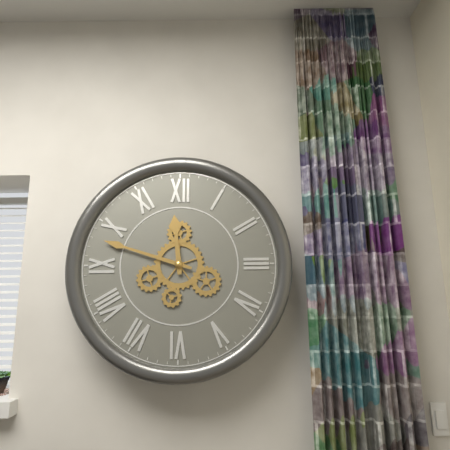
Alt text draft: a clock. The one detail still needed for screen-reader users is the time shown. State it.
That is 11:48
